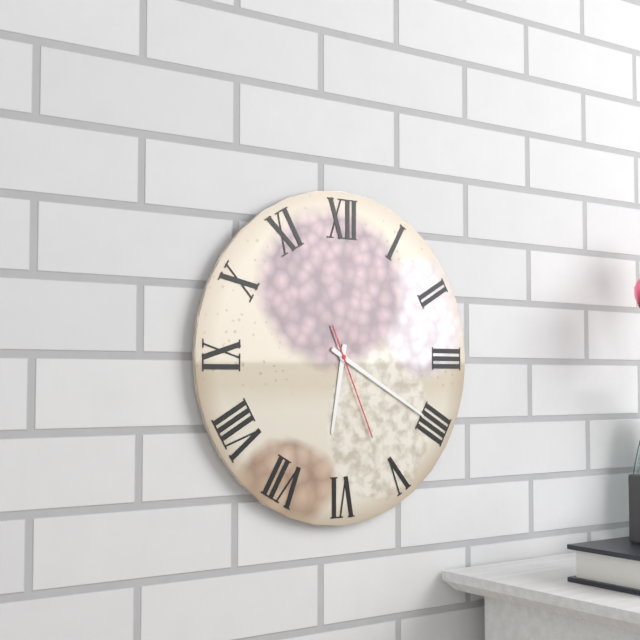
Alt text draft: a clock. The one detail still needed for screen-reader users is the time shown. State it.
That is 6:20:26
